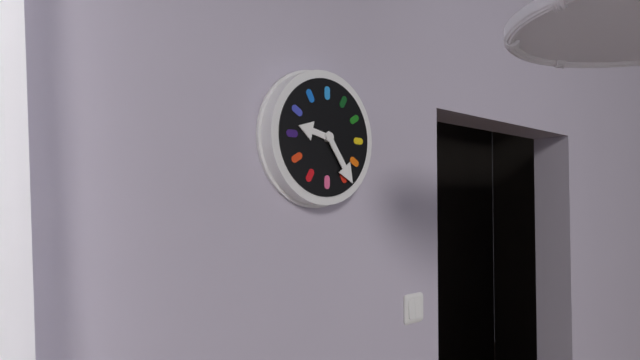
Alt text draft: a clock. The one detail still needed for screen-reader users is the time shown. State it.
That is 9:24
